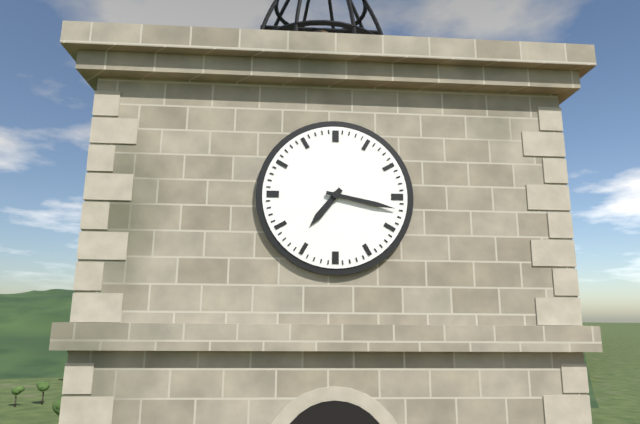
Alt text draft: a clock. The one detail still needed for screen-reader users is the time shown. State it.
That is 7:17
